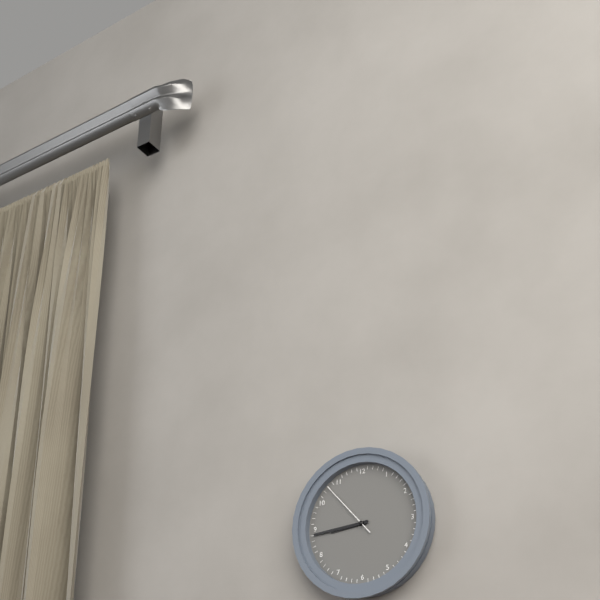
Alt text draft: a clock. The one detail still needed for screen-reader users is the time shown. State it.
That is 8:44:53
